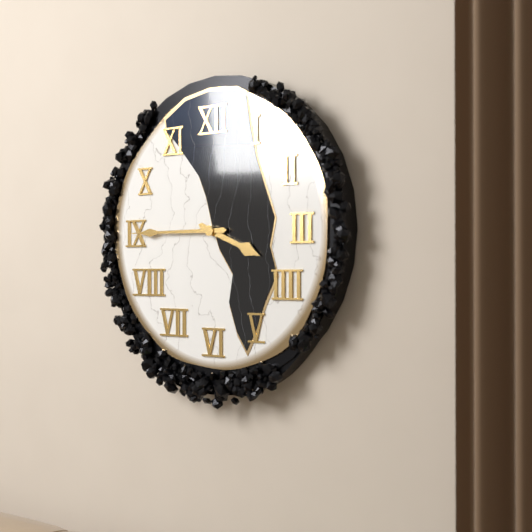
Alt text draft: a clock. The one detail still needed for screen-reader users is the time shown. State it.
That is 3:45
